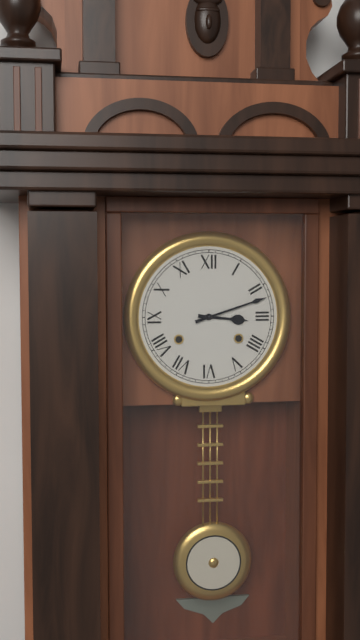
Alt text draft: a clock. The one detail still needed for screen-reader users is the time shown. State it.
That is 3:12
